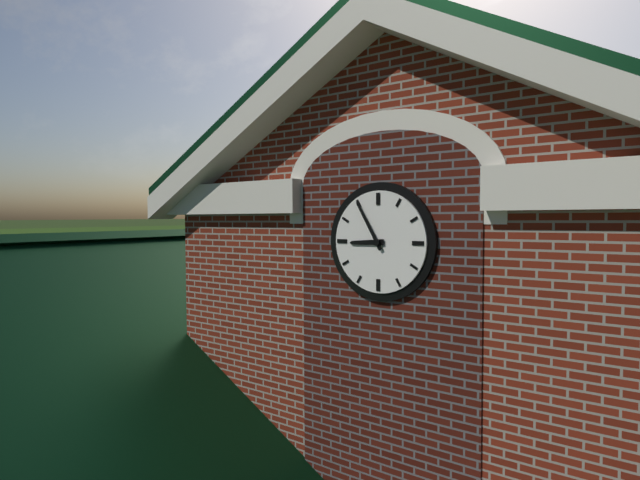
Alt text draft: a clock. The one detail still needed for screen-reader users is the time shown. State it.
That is 8:55
